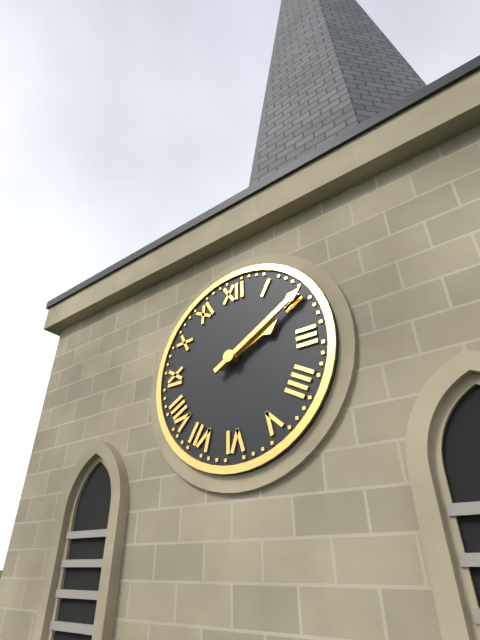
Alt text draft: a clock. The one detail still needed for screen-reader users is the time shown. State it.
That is 2:10
